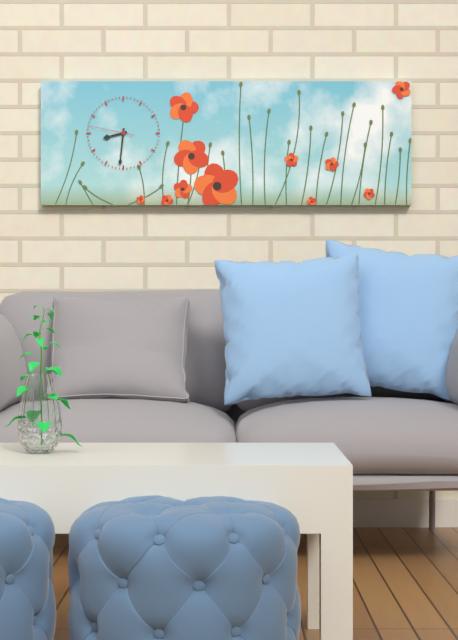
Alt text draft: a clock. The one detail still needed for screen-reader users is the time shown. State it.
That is 8:31
